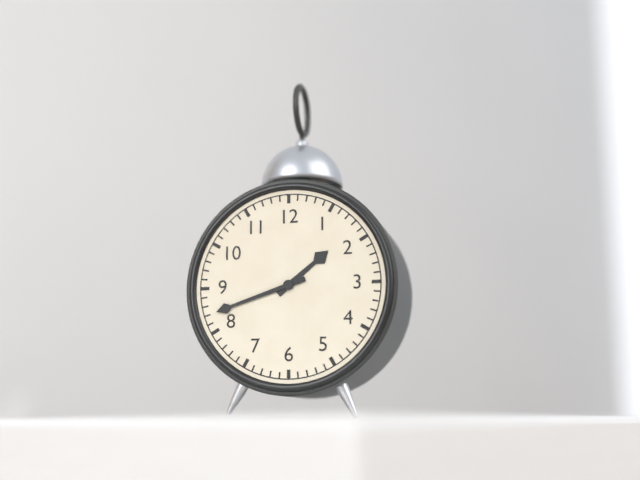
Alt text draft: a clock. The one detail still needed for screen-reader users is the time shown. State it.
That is 1:42
